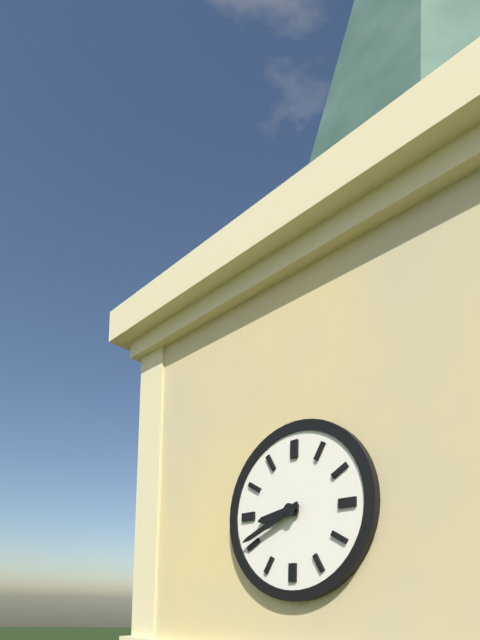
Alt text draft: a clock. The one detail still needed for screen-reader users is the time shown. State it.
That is 8:41
